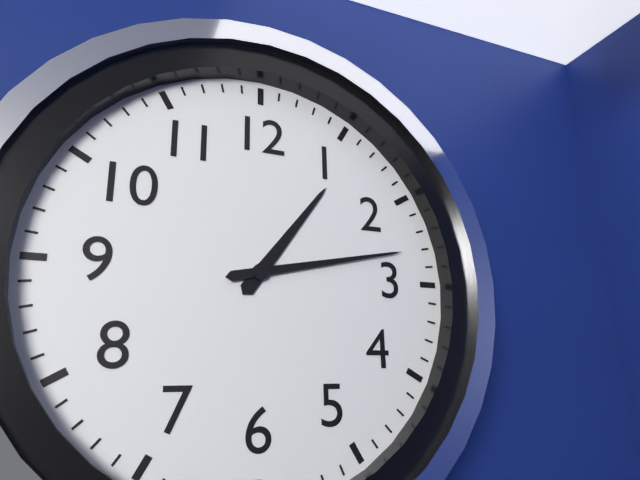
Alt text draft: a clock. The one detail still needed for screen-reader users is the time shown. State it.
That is 1:13
